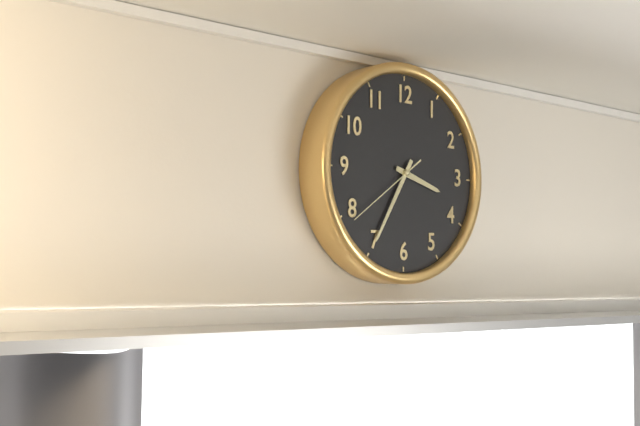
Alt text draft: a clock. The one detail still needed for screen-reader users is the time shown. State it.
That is 3:35:39
